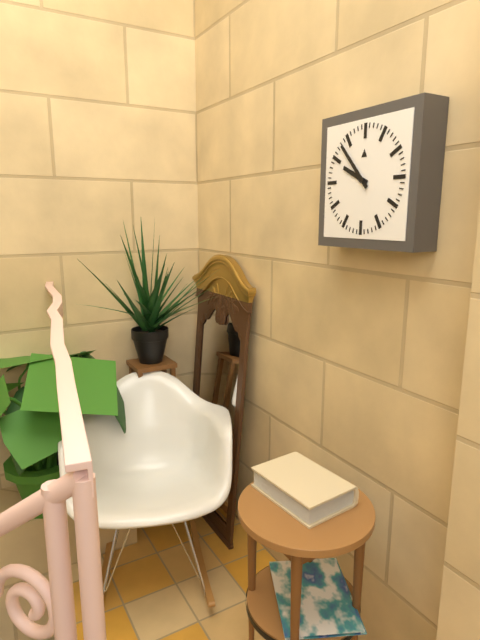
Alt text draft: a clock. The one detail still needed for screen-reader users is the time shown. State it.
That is 9:53
